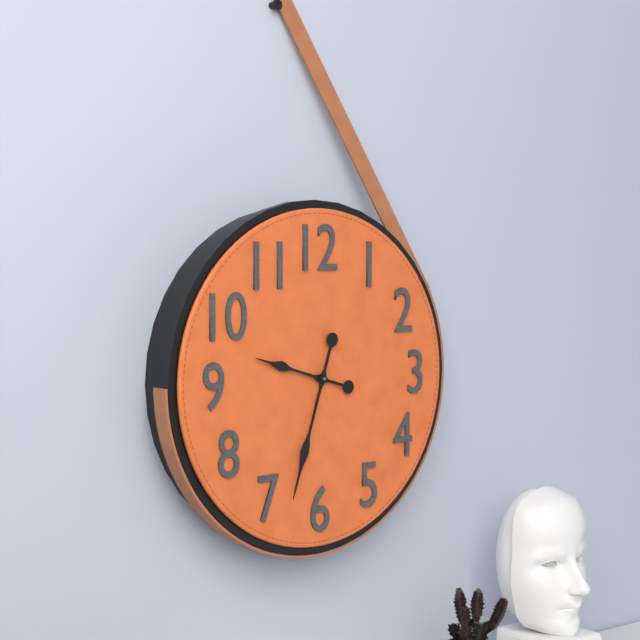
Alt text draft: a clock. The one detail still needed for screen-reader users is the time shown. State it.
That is 9:33
